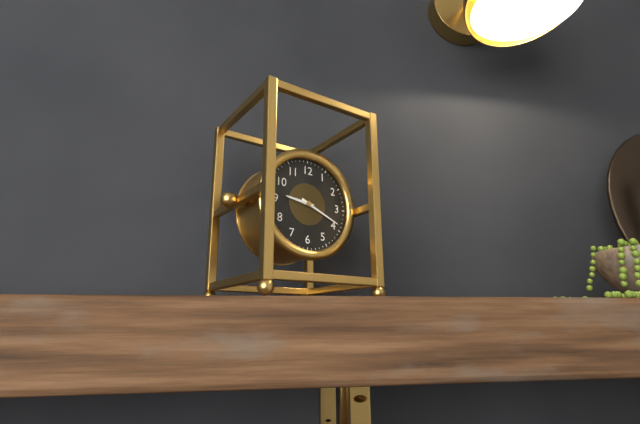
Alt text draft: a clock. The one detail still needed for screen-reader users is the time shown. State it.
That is 9:19
